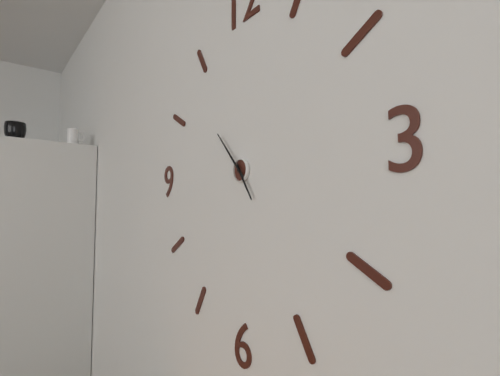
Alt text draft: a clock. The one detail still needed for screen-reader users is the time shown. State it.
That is 4:53
